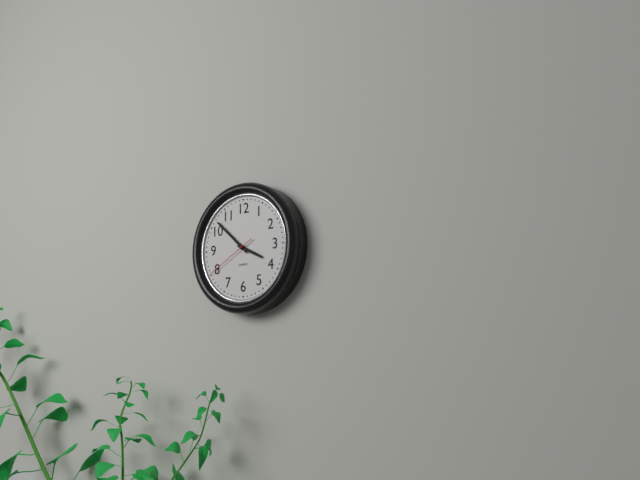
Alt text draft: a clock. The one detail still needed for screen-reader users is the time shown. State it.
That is 3:52:40
